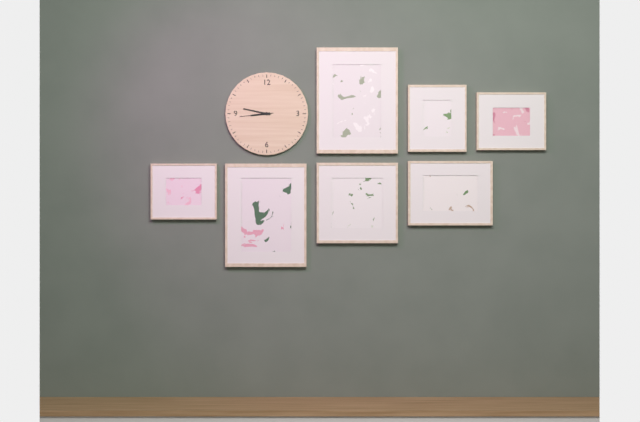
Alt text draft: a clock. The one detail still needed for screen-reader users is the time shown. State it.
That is 8:47
